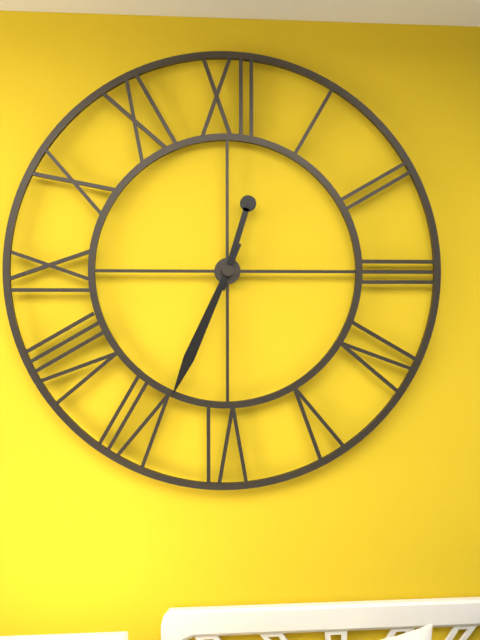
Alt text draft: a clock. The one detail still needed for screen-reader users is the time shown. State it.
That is 12:34
